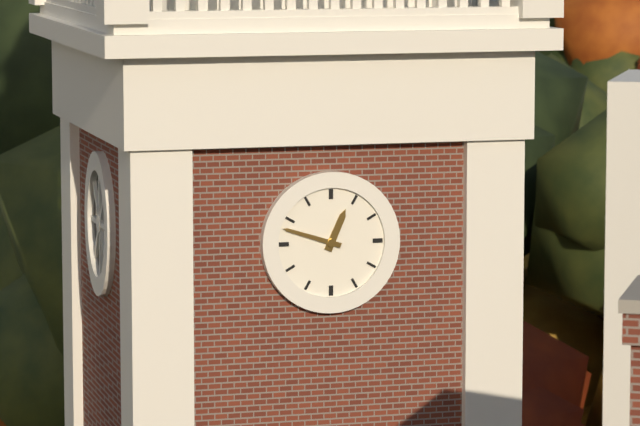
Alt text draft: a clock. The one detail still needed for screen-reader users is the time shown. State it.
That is 12:48
